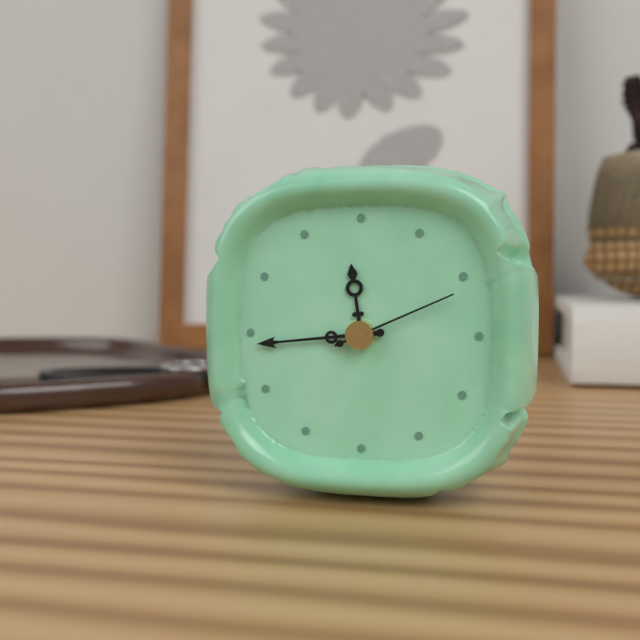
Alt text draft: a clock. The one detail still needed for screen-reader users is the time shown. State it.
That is 11:44:11
